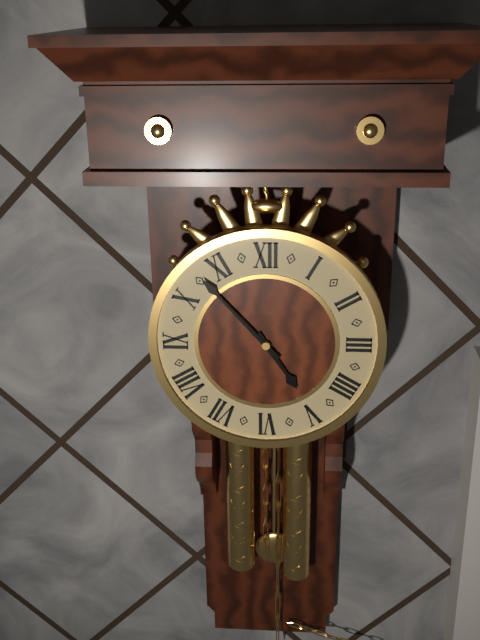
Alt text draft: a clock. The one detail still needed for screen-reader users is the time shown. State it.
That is 4:53
